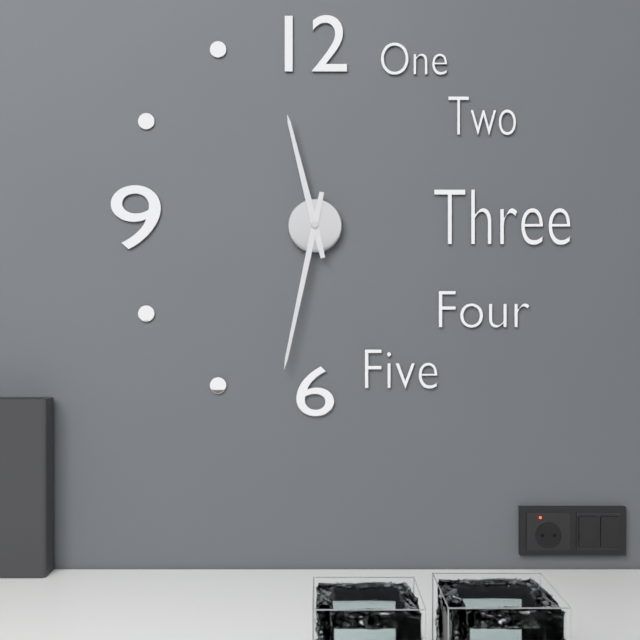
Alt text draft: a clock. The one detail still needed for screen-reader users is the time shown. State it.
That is 11:32
